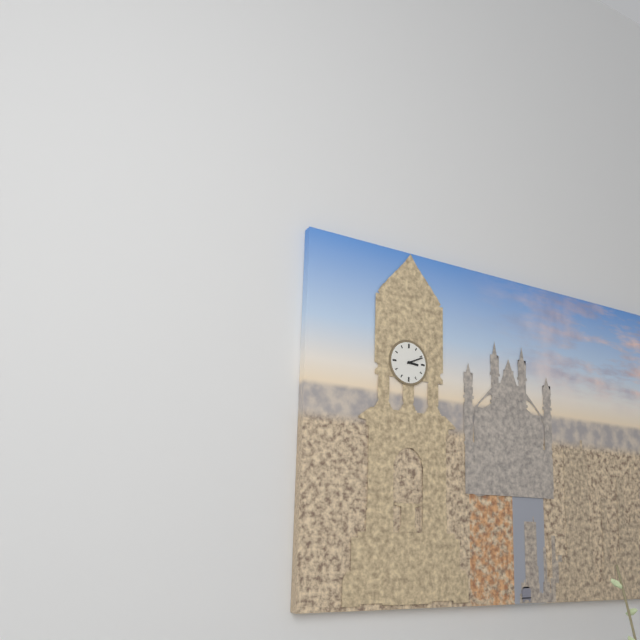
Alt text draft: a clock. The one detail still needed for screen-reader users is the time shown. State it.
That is 3:11
